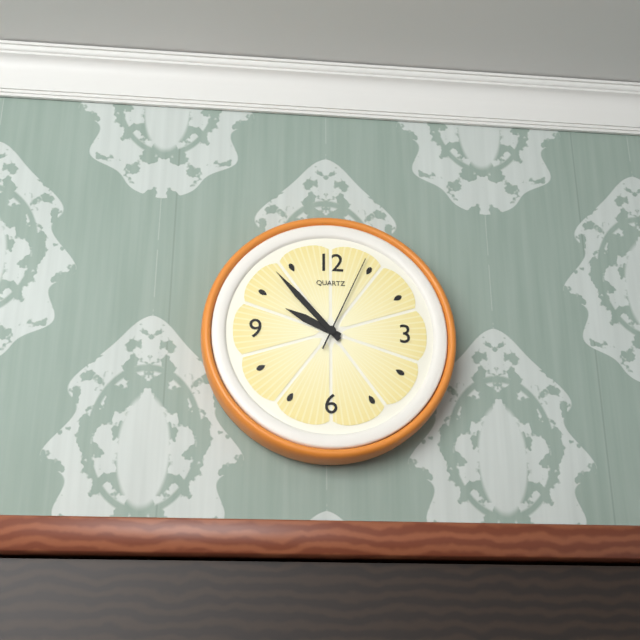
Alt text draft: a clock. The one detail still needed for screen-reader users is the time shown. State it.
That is 9:53:04
